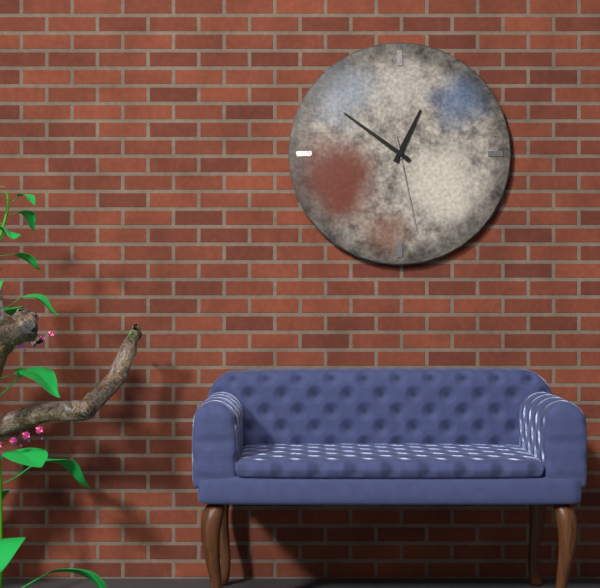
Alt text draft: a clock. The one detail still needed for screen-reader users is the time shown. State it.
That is 12:51:28
